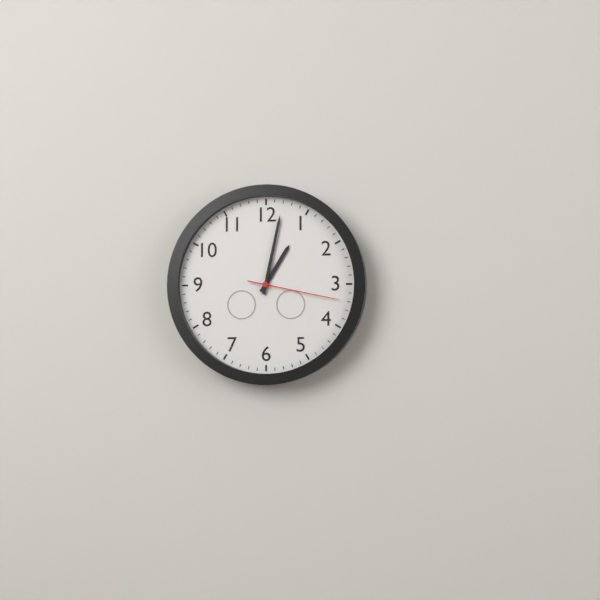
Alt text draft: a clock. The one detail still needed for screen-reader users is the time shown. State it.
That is 1:02:17
